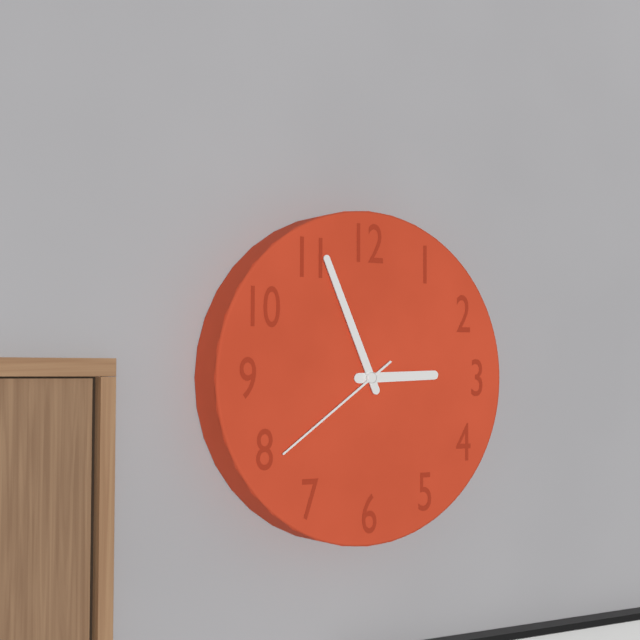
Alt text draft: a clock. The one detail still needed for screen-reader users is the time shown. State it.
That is 2:56:39
